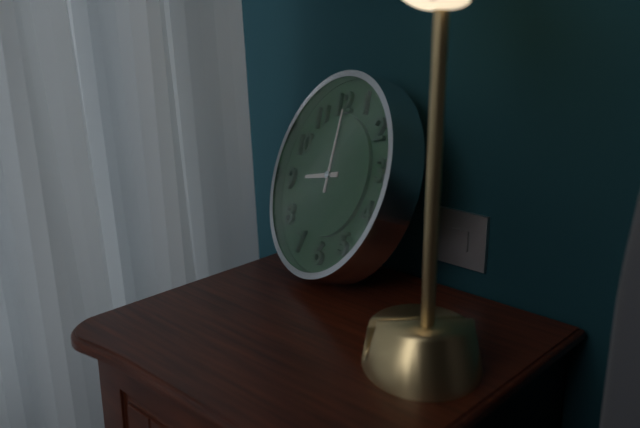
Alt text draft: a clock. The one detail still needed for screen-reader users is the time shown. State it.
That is 9:01
